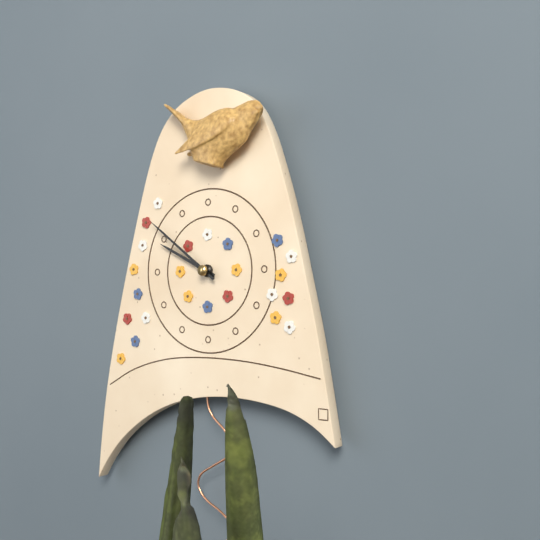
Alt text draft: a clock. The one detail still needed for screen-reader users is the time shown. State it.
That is 9:51
